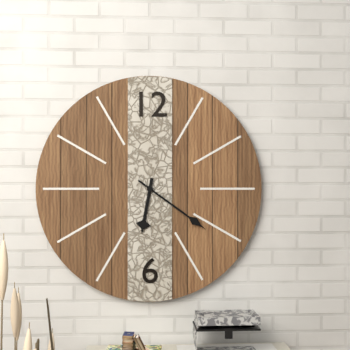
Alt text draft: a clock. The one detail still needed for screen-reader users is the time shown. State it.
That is 6:21
